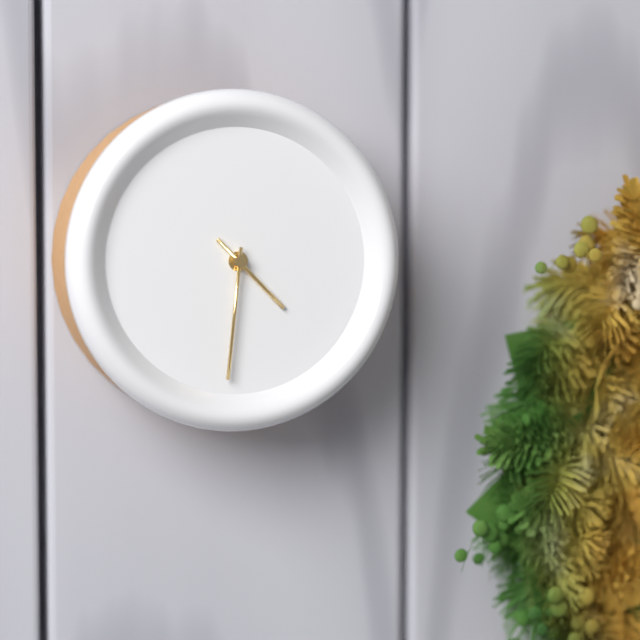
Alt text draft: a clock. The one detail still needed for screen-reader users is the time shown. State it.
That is 4:31
